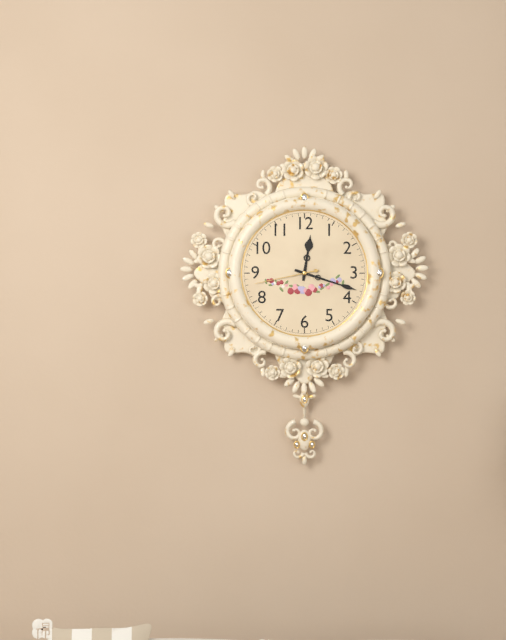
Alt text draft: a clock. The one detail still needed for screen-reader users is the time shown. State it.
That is 12:18:43
